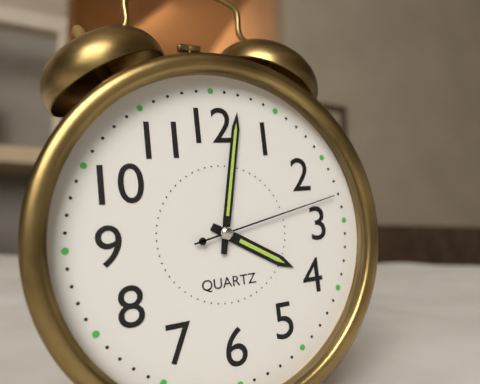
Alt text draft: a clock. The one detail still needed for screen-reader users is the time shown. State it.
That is 4:02:13
